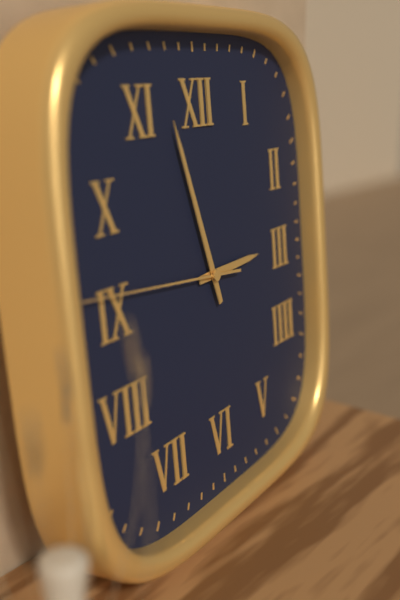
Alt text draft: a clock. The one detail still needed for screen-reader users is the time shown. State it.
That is 2:57:46
